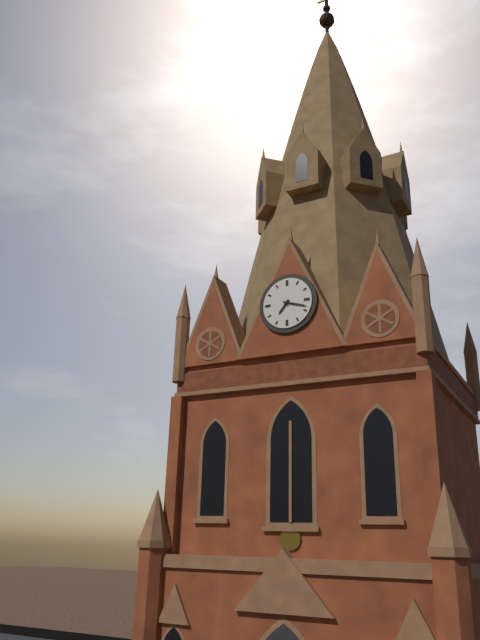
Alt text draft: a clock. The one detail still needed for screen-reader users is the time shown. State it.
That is 7:18
